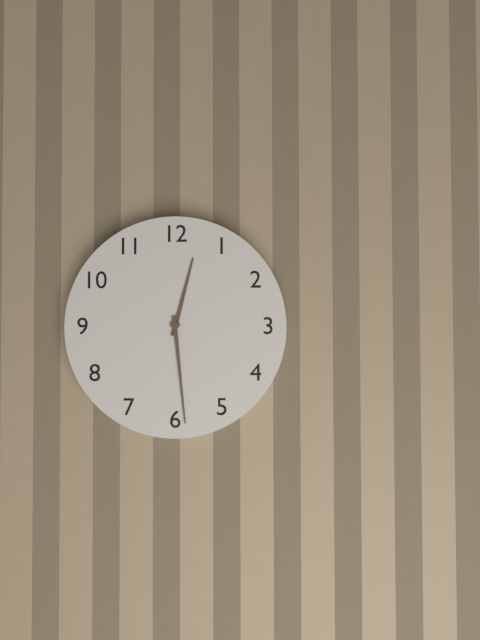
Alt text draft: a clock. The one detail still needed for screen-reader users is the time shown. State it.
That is 12:29
